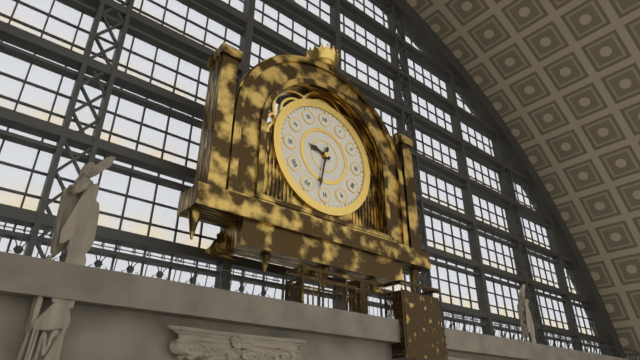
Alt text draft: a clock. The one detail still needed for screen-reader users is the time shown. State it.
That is 9:32
